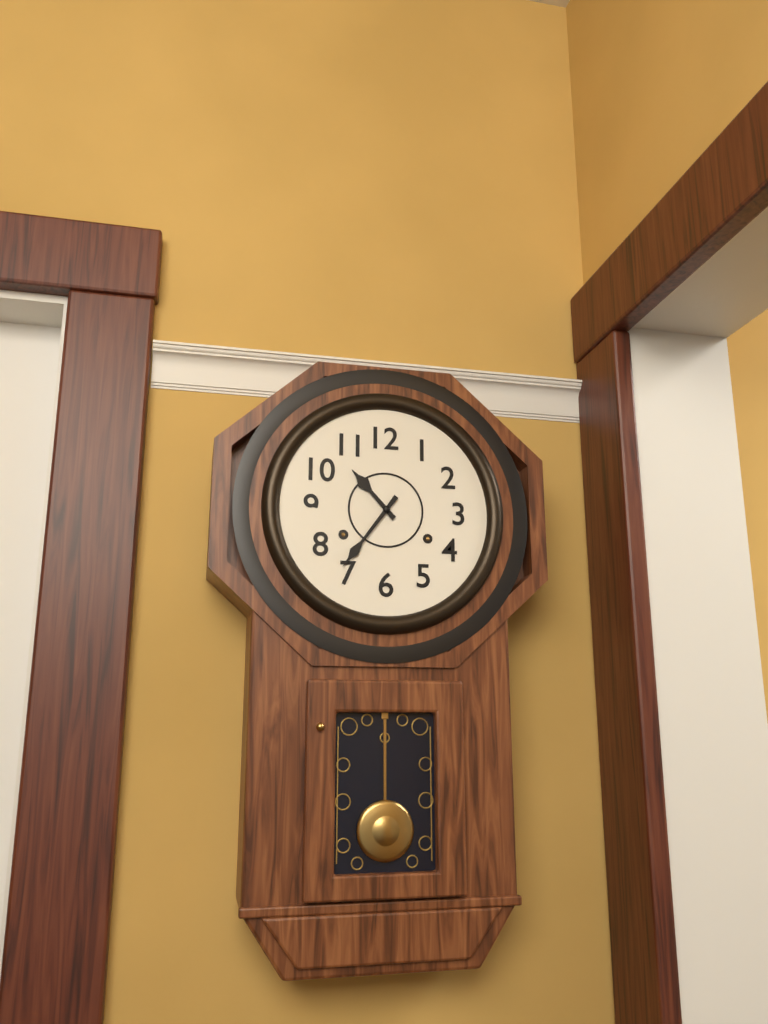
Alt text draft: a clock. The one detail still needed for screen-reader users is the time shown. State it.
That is 10:36
